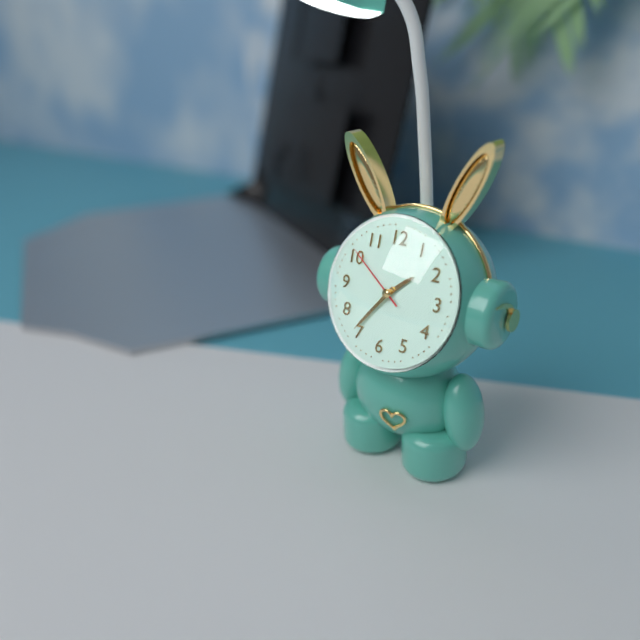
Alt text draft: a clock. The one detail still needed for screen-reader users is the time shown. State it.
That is 1:36:51
